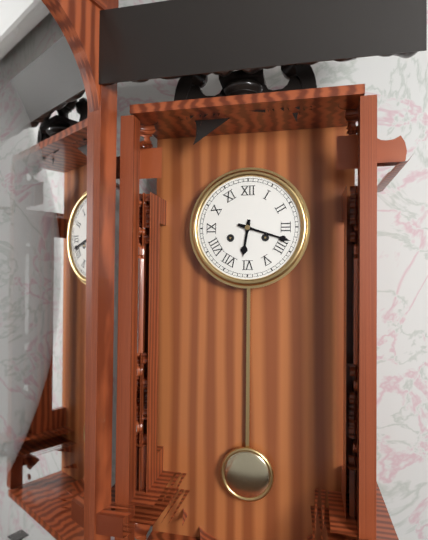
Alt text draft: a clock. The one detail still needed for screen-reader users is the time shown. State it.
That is 6:18
